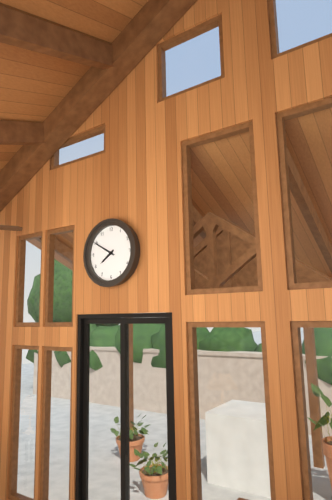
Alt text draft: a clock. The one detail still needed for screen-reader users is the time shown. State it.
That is 7:50
